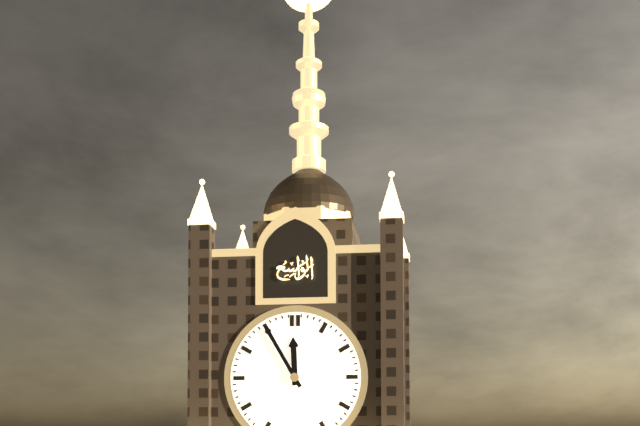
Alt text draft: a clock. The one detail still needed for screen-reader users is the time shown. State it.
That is 11:55
